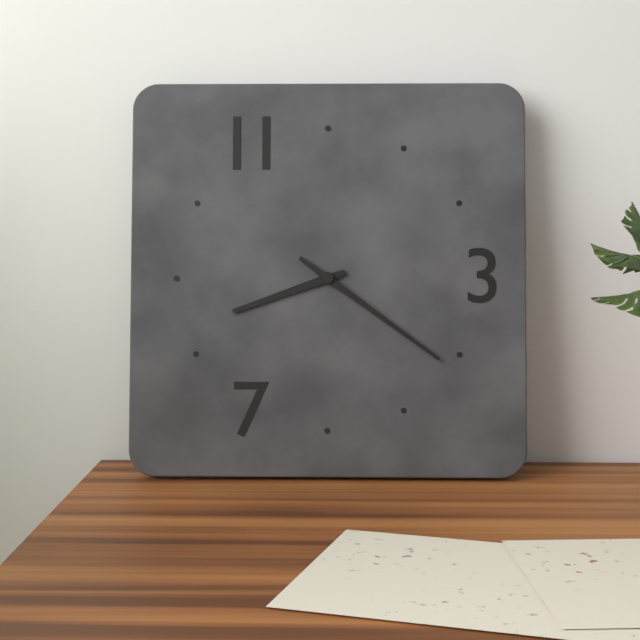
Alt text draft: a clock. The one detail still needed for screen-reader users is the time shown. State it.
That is 8:21
